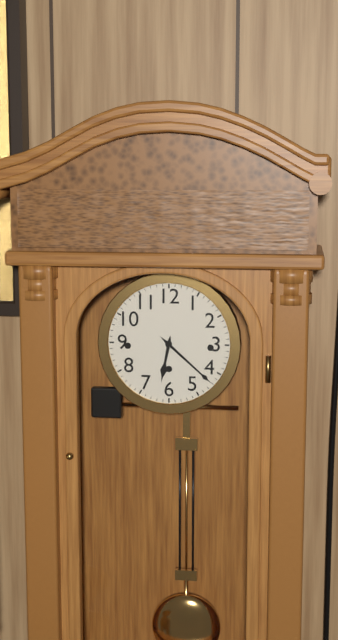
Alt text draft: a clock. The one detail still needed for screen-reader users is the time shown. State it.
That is 6:22
